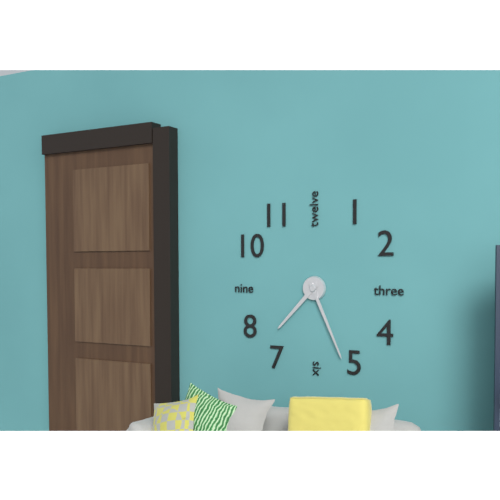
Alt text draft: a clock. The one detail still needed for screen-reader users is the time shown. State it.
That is 7:26
